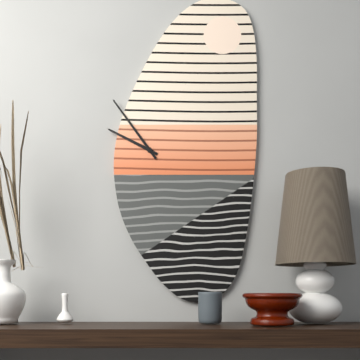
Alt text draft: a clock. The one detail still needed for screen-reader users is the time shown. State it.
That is 9:54
